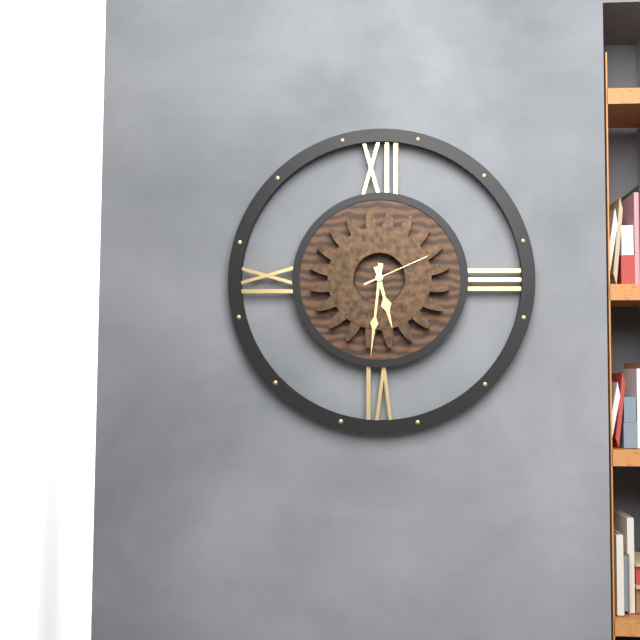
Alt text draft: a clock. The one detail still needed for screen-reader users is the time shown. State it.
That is 5:31:11
